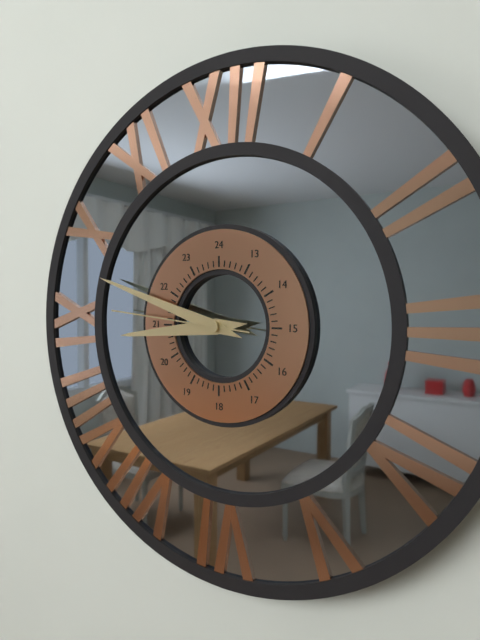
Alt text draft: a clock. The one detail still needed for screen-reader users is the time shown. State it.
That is 8:48:46
